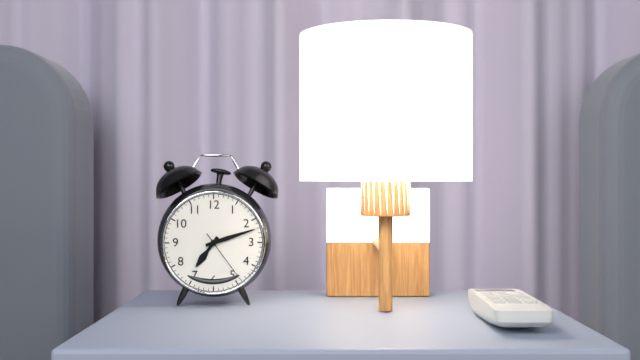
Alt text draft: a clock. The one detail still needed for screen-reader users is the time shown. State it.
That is 7:12:24
